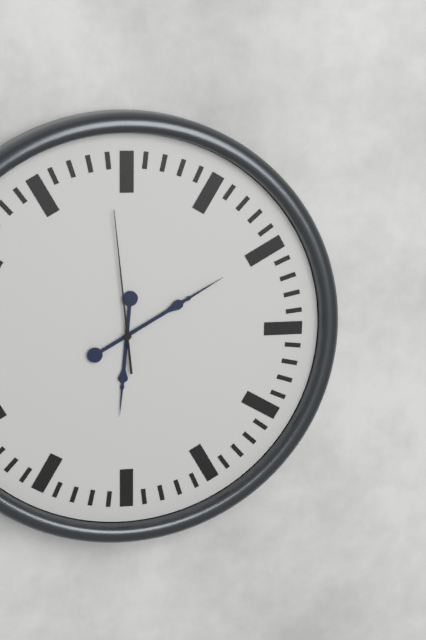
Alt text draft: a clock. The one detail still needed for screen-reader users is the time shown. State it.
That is 6:10:59
